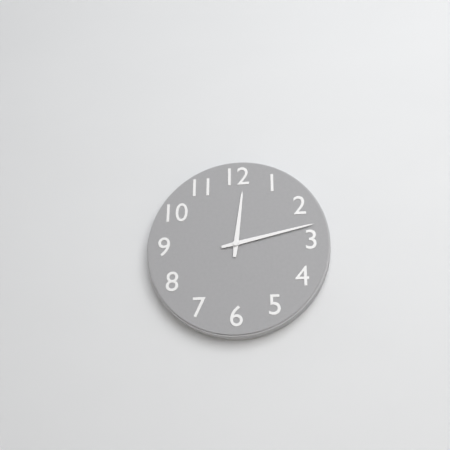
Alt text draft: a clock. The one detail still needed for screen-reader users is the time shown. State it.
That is 12:13
